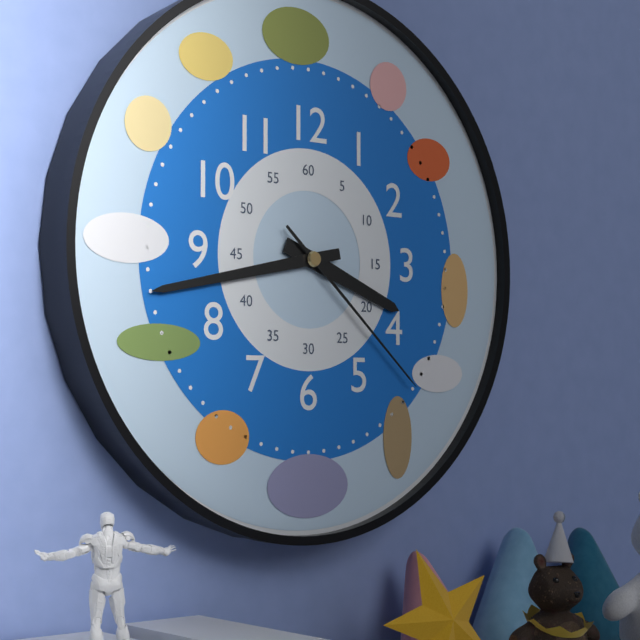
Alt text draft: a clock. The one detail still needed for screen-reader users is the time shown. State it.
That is 3:43:22
